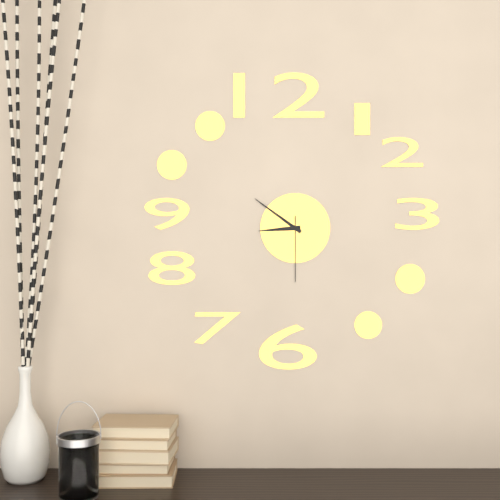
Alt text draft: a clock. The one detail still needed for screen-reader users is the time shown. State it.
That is 8:51:30
